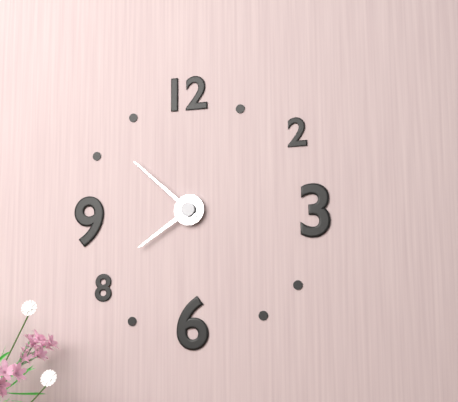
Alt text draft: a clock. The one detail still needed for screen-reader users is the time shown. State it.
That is 7:52
